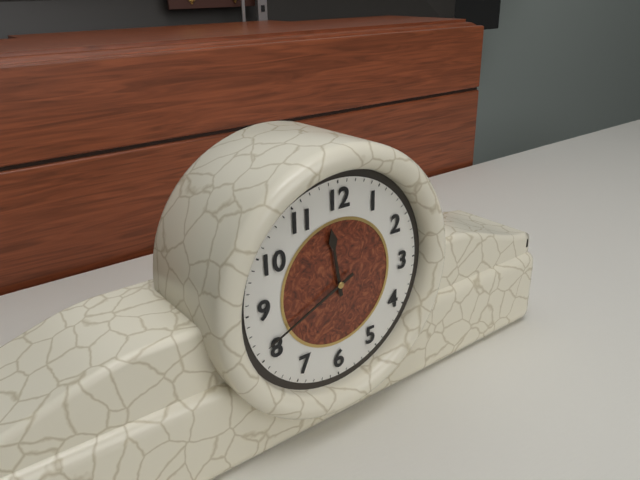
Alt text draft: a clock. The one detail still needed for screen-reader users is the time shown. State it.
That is 11:41
